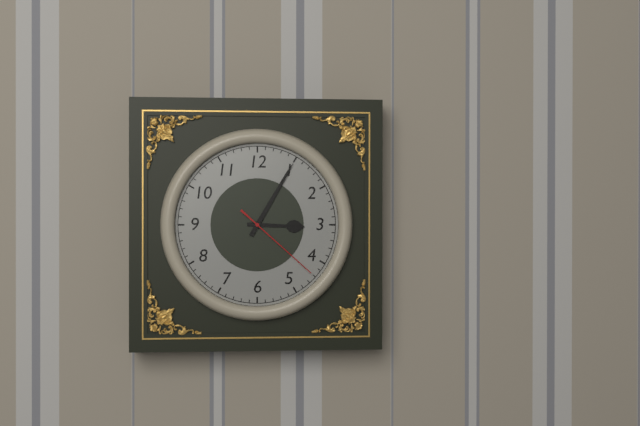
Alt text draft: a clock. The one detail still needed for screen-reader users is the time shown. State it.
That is 3:05:22
